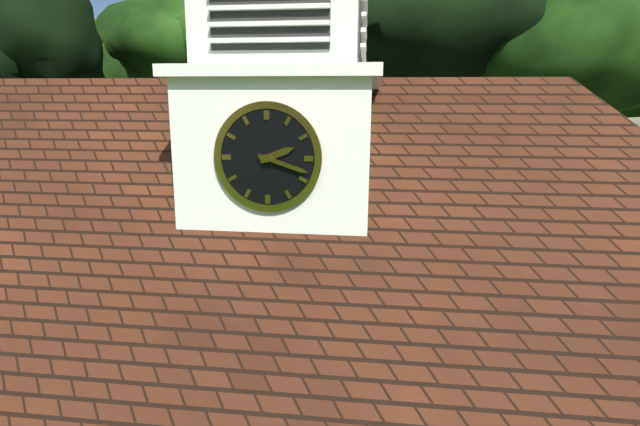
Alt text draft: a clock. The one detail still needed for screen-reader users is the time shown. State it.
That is 2:18
